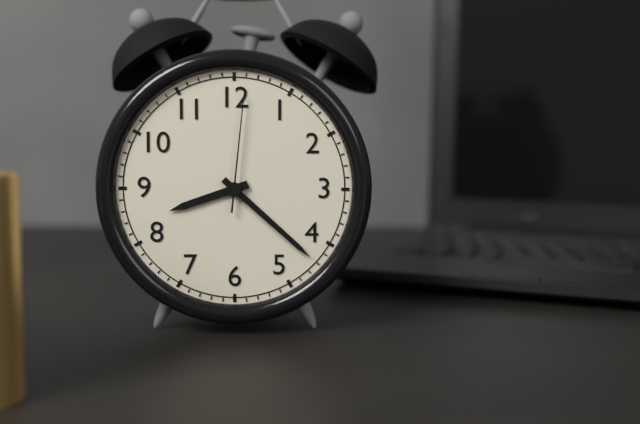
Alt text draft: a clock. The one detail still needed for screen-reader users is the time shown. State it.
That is 8:22:01
